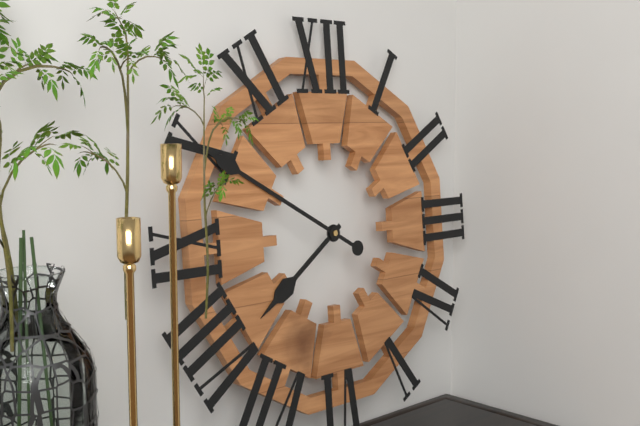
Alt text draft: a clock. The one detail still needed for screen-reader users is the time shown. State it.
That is 7:50
